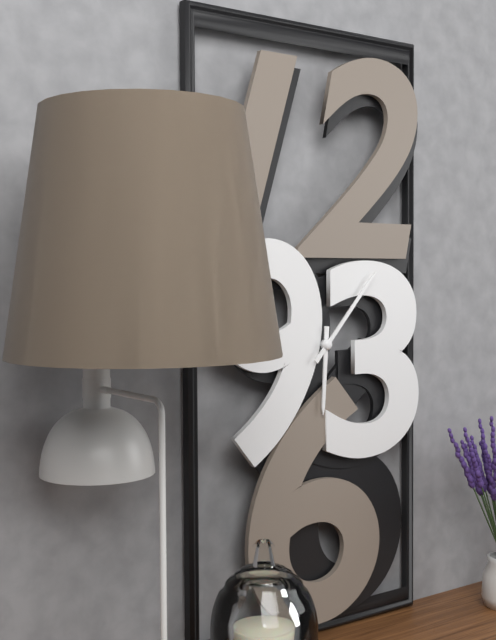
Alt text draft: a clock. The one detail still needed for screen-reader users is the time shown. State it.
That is 6:07
